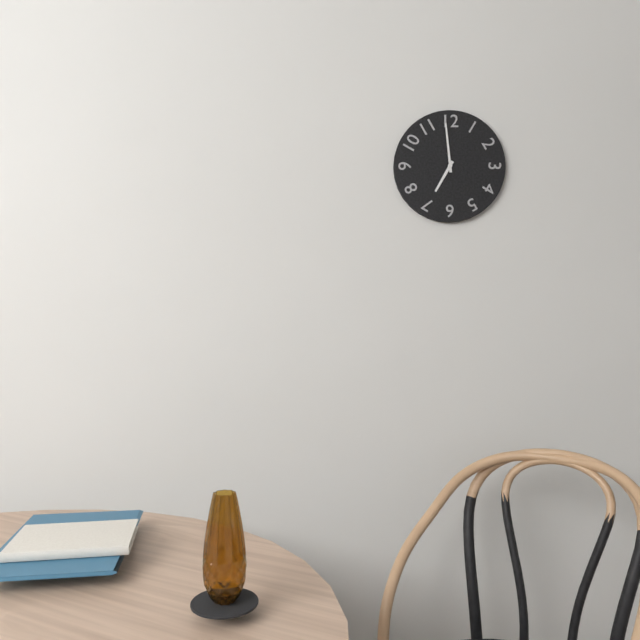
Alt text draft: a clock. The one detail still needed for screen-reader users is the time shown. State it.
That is 6:59
